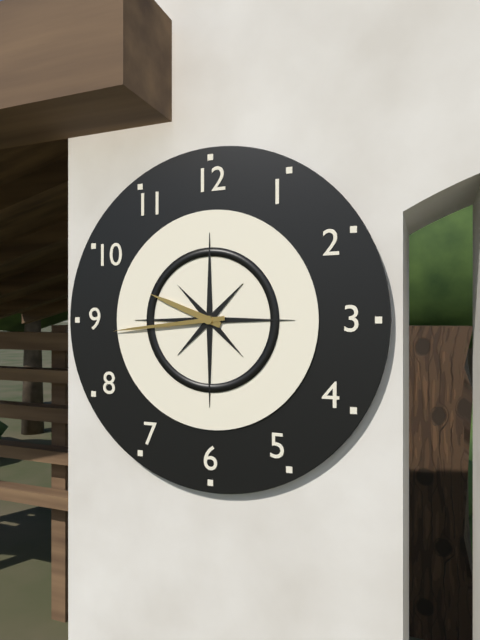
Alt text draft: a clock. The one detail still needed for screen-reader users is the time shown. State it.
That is 9:44
